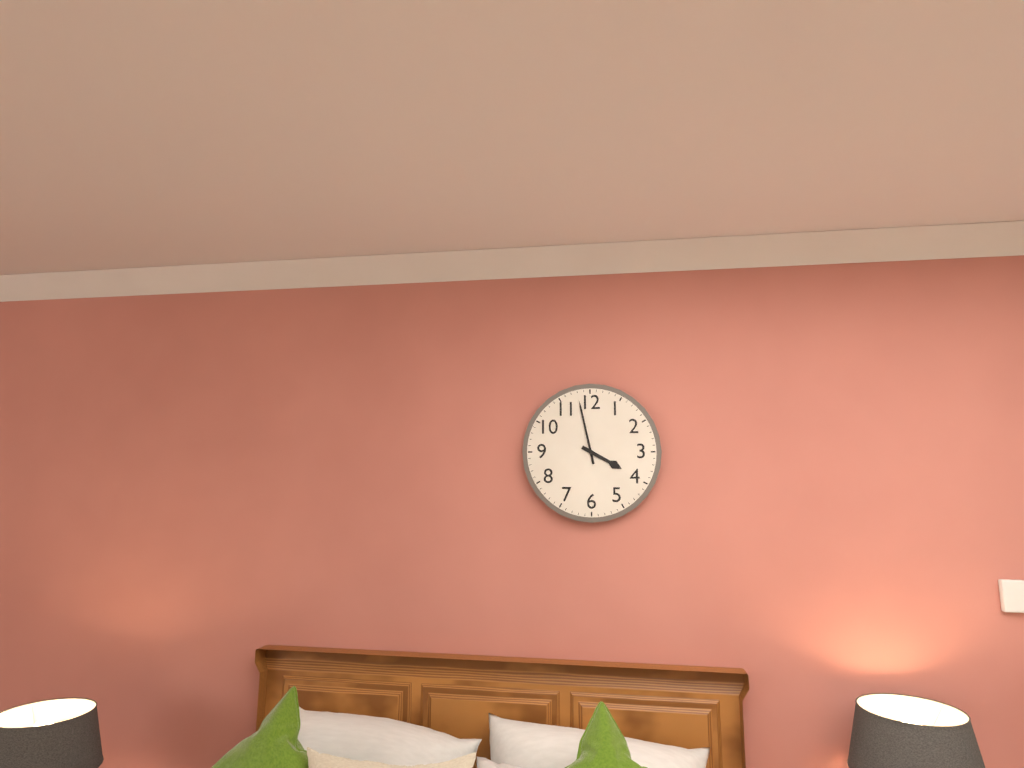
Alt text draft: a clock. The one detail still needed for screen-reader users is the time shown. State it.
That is 3:58
